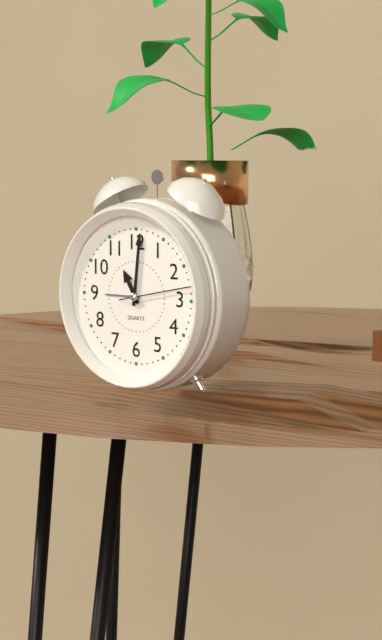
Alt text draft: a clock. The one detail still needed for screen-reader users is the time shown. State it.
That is 11:01:13
